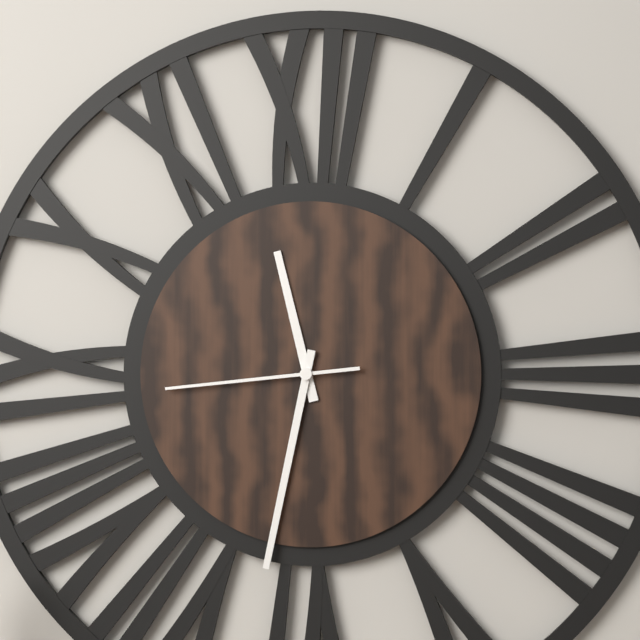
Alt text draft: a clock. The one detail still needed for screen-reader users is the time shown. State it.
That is 11:32:44
